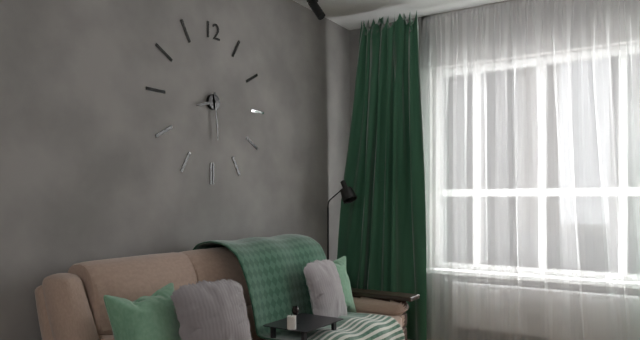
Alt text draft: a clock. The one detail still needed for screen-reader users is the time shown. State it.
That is 8:29
